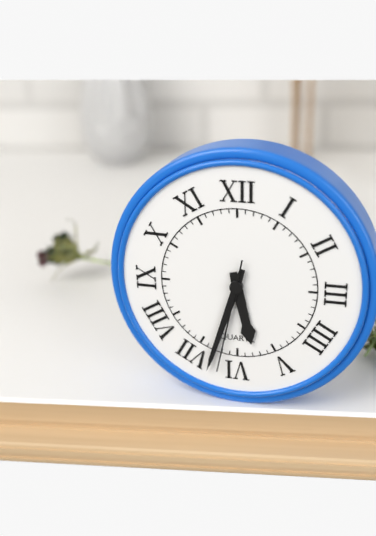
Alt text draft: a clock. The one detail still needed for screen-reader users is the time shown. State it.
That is 5:33:32
